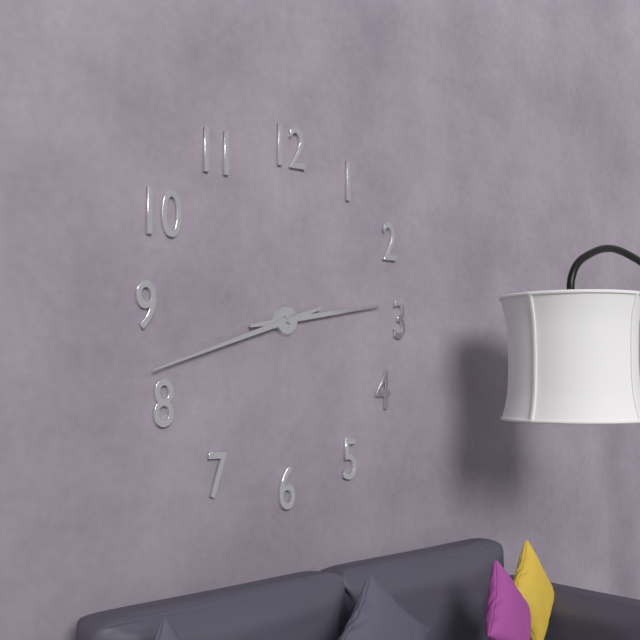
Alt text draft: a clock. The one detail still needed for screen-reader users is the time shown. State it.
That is 2:42
